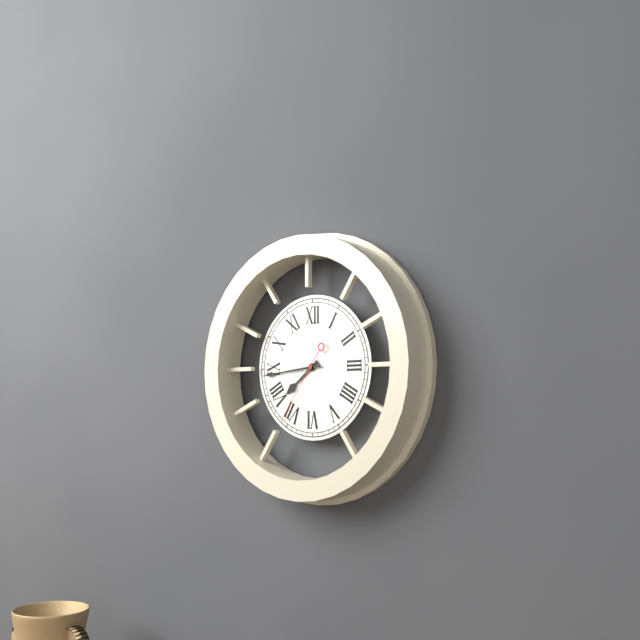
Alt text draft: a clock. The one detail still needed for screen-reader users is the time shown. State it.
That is 7:44:36
